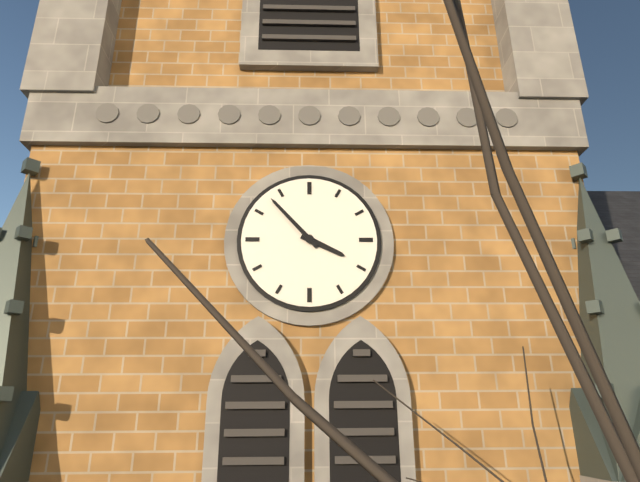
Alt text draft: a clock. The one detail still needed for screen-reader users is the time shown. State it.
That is 3:53
